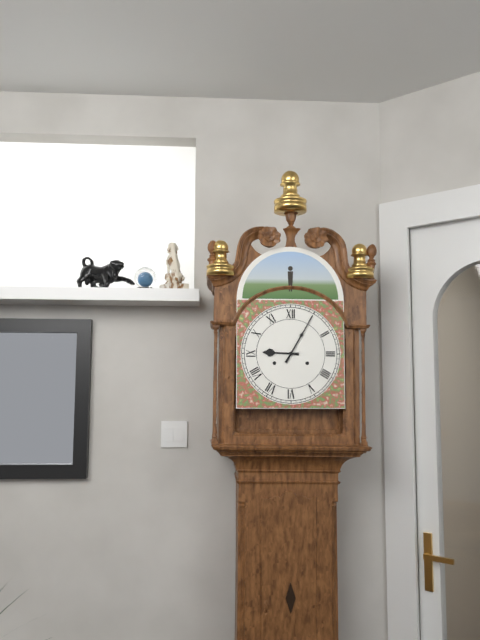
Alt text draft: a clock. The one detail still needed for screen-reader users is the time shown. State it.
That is 9:05
